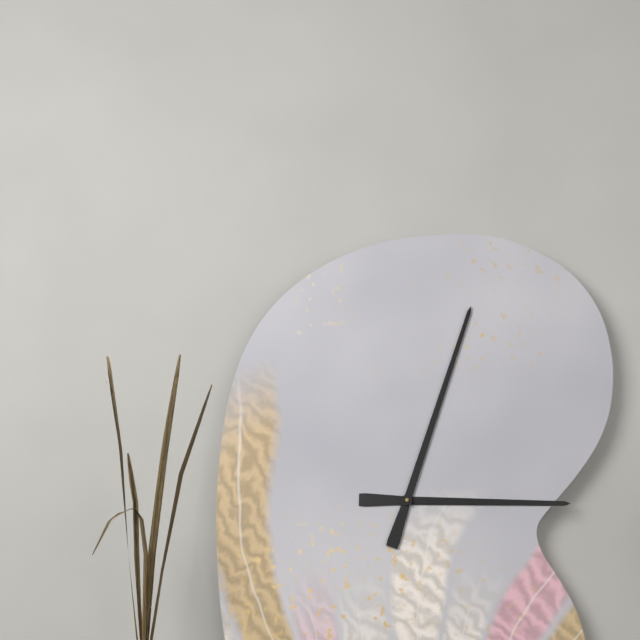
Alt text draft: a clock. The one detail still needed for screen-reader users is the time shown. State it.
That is 3:03
